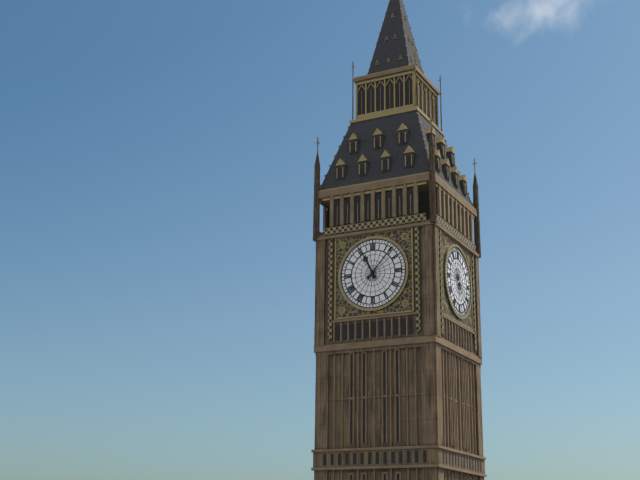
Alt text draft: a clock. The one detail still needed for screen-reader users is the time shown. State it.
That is 11:07
